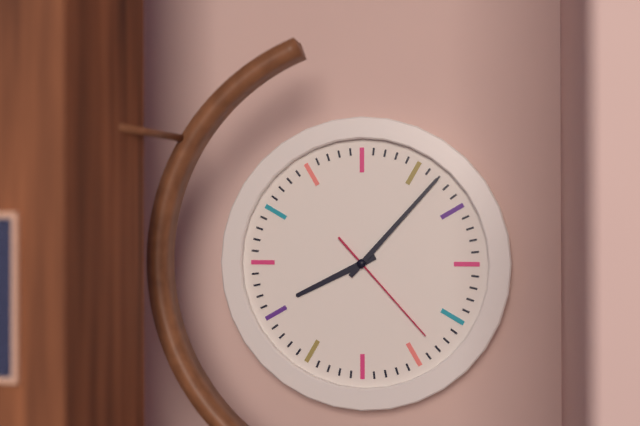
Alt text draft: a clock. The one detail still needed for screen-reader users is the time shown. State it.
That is 8:07:23
